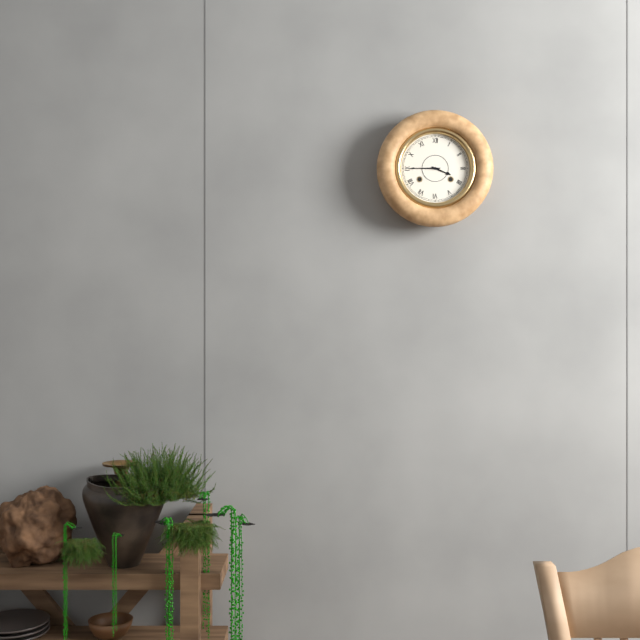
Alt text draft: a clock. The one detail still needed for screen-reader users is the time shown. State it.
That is 3:45
